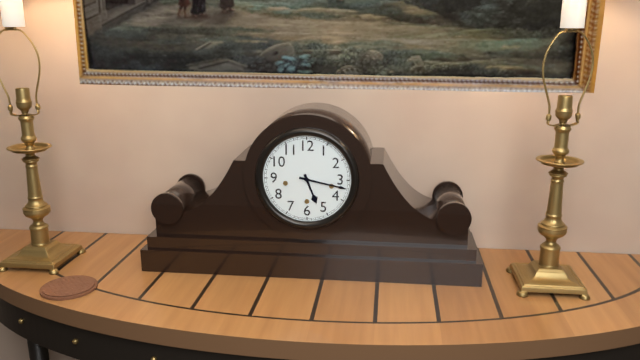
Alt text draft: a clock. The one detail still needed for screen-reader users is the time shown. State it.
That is 5:17
